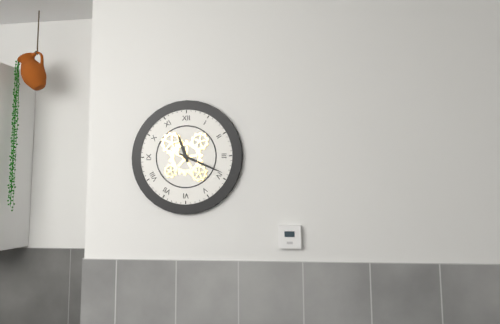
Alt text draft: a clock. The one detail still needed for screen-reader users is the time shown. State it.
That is 11:19
